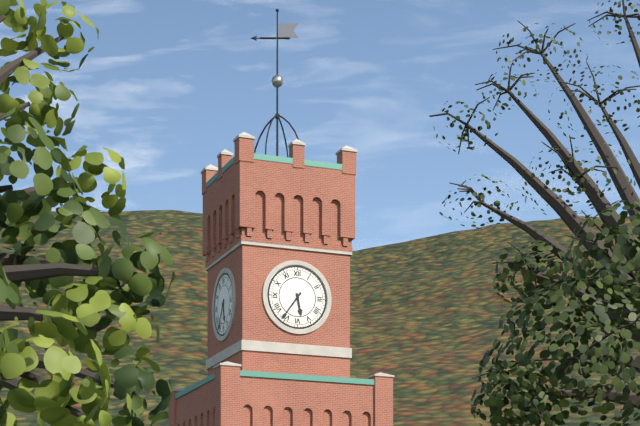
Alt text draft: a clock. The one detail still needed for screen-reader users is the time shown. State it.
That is 5:36
